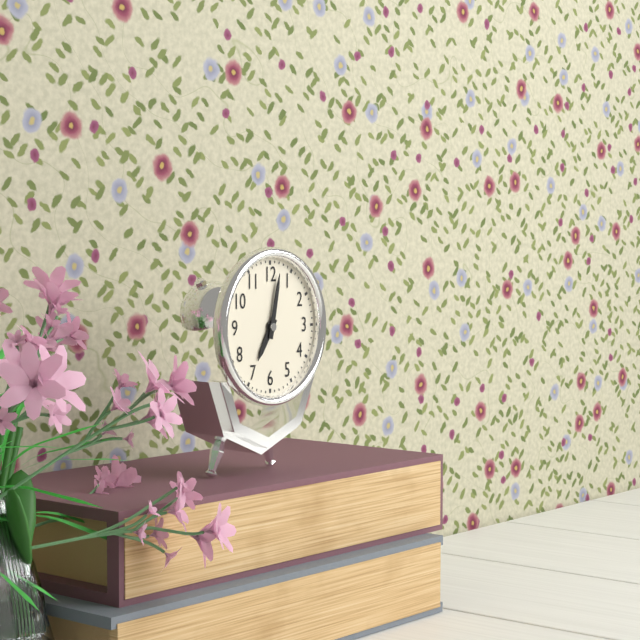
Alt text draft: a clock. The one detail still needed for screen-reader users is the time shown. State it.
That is 7:02
